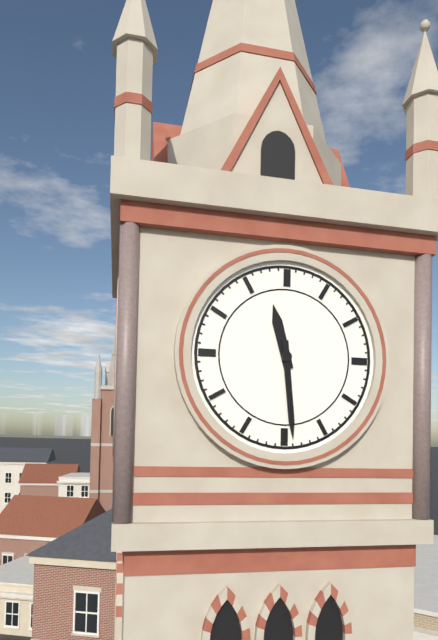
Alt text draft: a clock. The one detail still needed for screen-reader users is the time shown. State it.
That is 11:29
